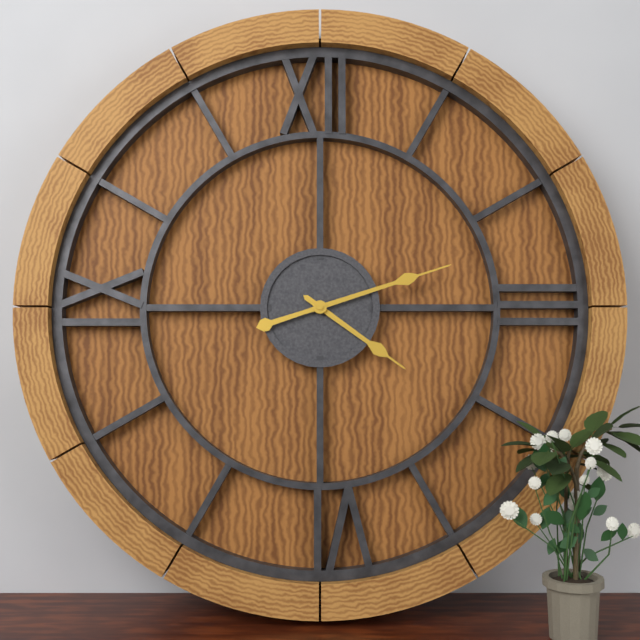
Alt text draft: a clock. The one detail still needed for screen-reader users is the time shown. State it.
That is 4:12
